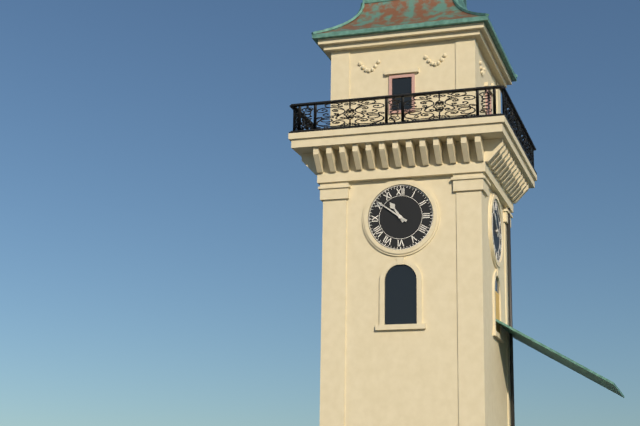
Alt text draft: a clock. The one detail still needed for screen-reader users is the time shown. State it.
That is 10:51
